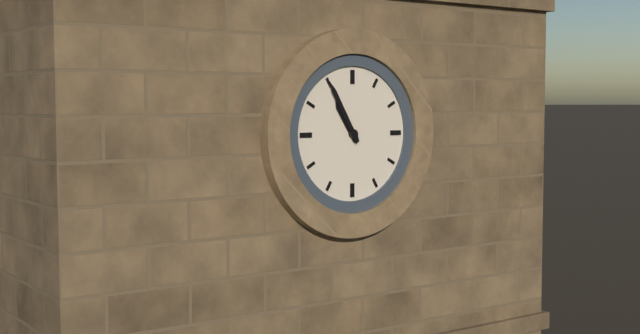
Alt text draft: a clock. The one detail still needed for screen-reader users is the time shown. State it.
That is 10:55
